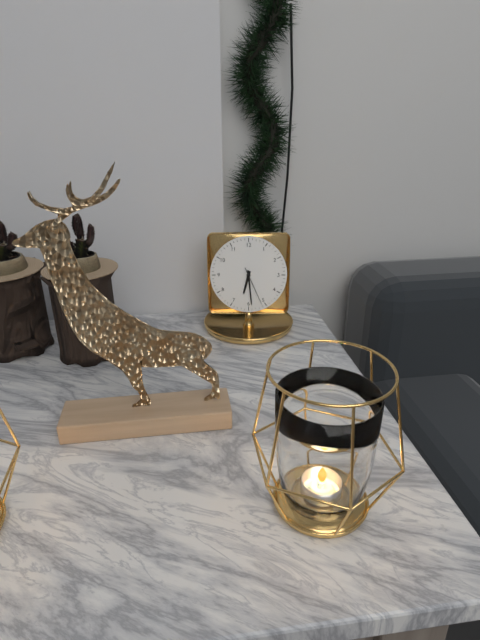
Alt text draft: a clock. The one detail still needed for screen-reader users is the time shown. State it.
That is 6:29
